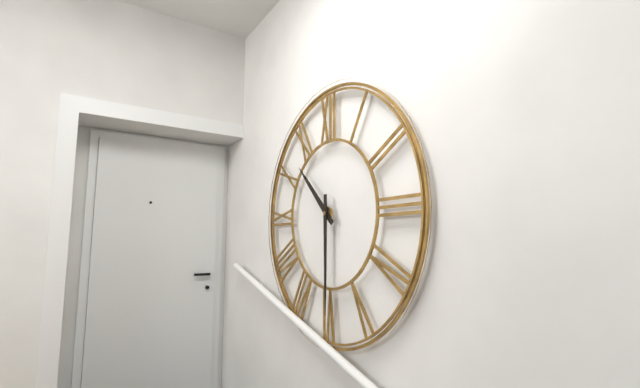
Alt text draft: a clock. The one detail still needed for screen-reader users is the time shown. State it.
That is 10:30
